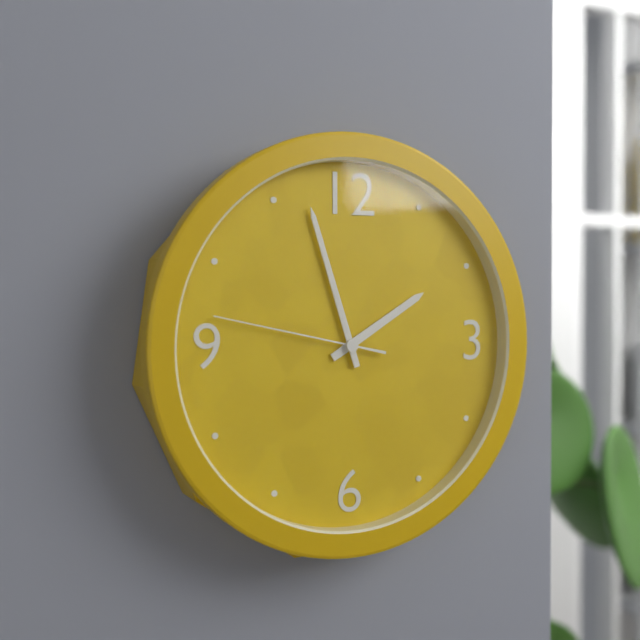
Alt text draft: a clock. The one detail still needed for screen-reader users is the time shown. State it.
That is 1:57:47
